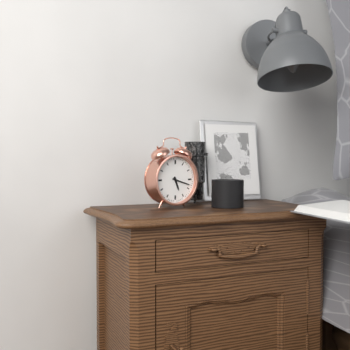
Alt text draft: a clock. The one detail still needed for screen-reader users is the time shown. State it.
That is 5:18
